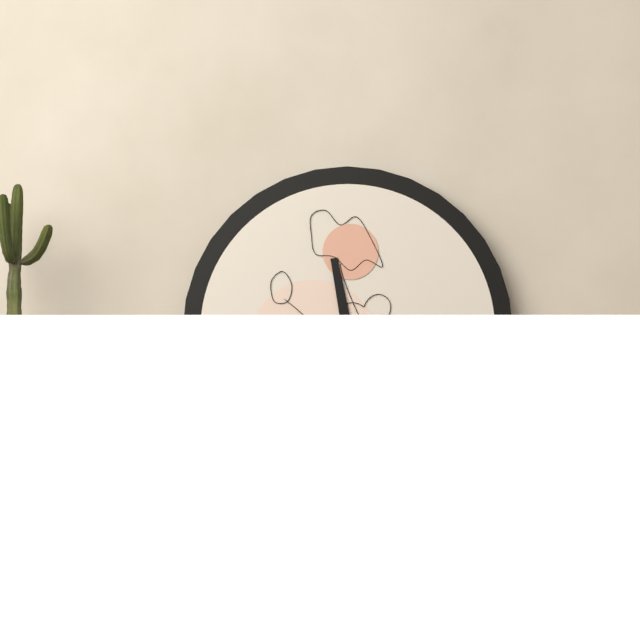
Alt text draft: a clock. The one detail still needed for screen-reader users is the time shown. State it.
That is 11:39
